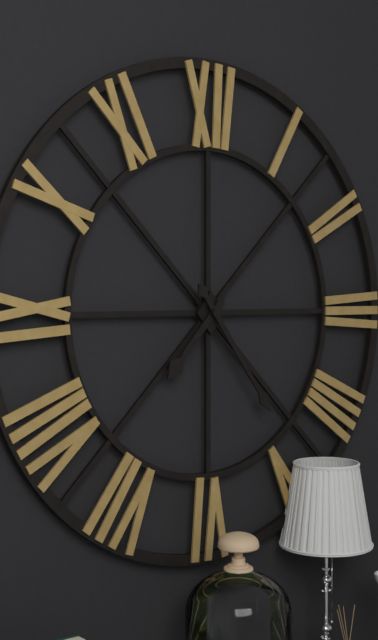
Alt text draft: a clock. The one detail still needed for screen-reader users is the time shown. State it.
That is 7:24
